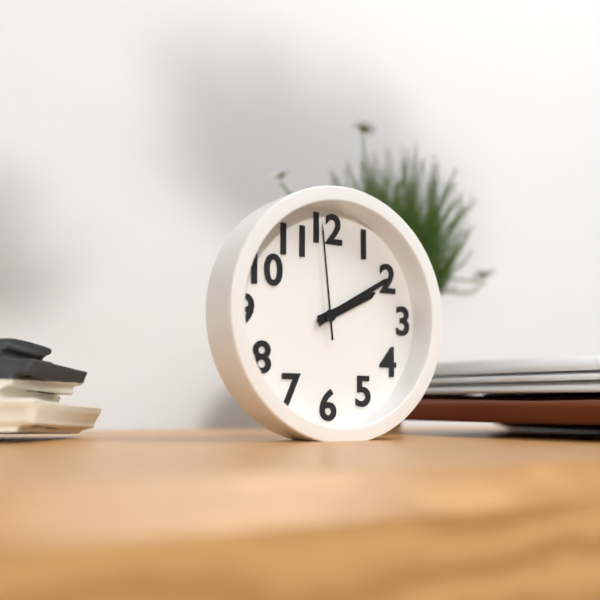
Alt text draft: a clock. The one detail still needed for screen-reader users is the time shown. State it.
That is 2:10:59
